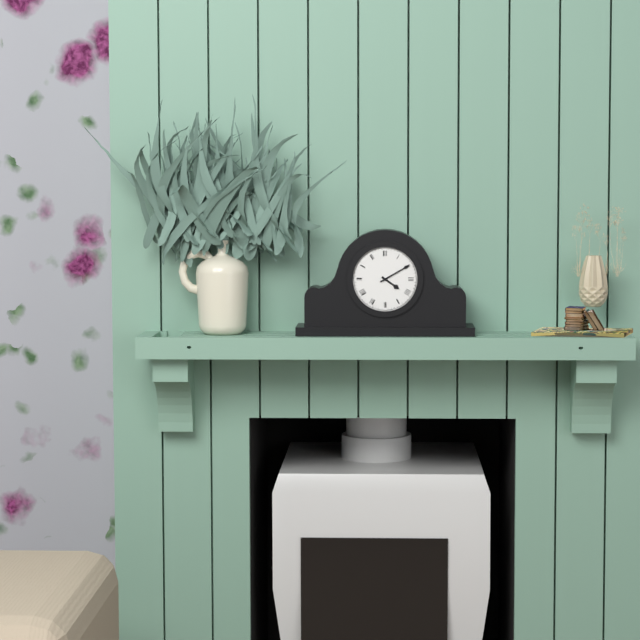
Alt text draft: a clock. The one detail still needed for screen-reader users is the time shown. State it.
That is 4:10
